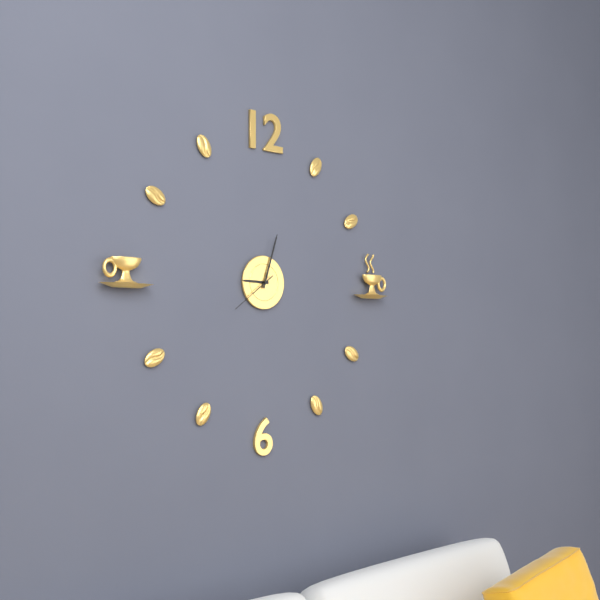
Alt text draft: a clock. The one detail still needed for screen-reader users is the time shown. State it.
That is 9:03:39
